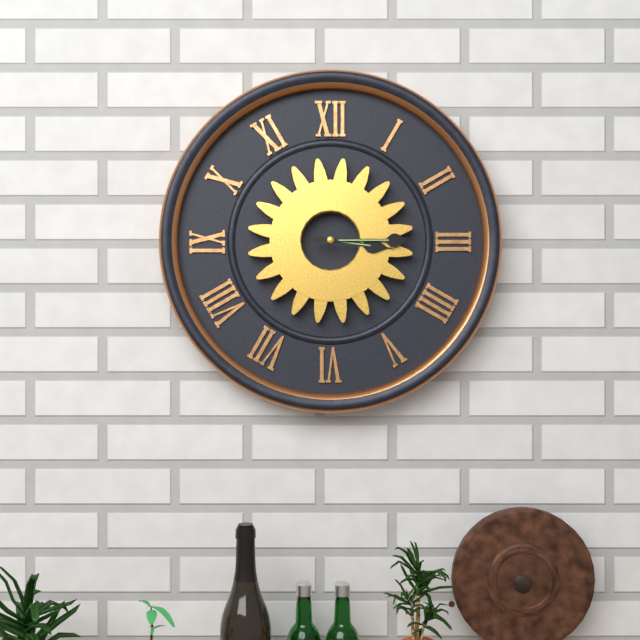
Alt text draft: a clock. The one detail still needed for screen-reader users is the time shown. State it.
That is 3:15
